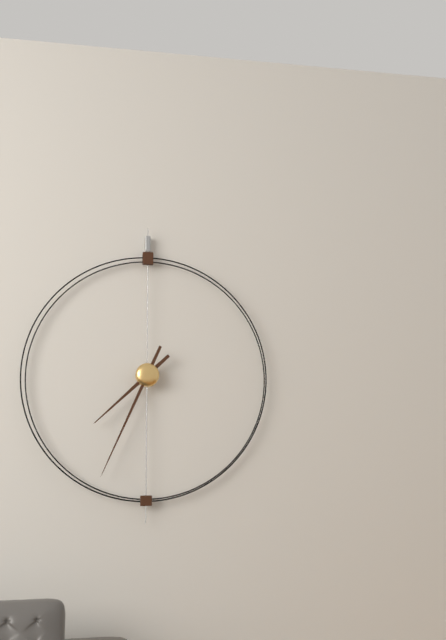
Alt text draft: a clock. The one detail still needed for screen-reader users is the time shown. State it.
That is 7:34
